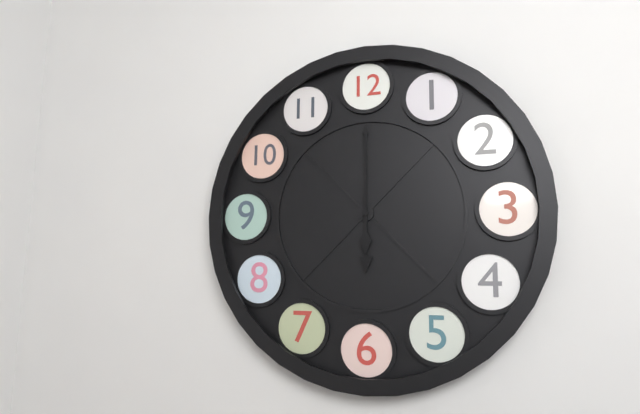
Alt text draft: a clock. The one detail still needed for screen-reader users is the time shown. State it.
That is 6:00
